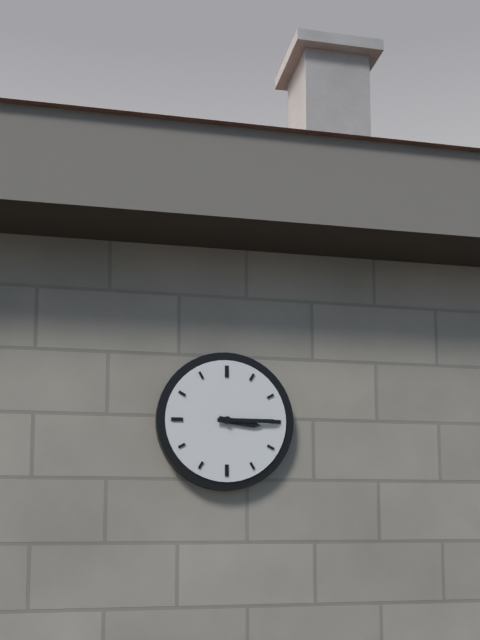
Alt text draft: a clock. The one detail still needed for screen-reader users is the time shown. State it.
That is 3:15
